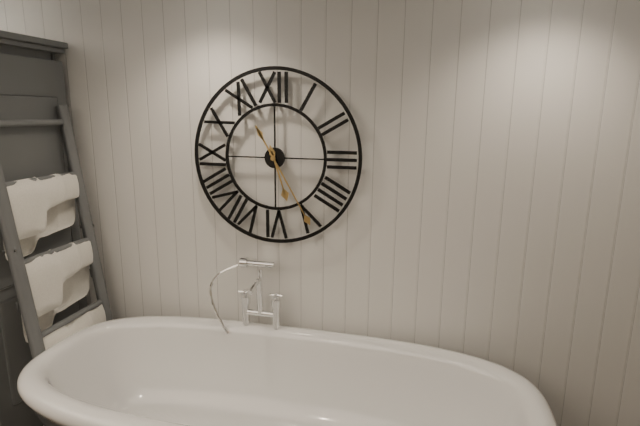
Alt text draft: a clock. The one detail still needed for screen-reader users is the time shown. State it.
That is 5:25
